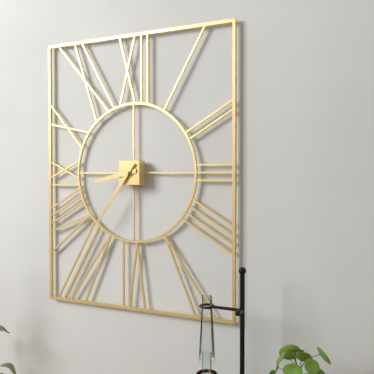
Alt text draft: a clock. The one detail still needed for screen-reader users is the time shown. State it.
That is 8:36
